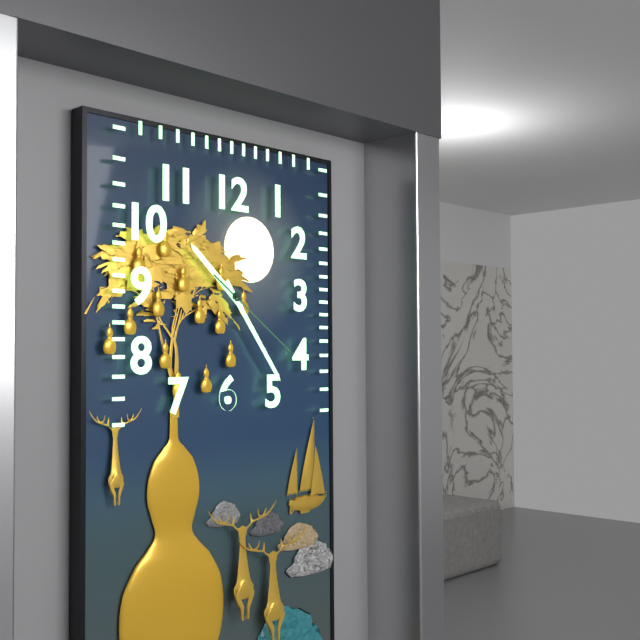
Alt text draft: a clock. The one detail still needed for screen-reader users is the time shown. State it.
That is 10:24:21
